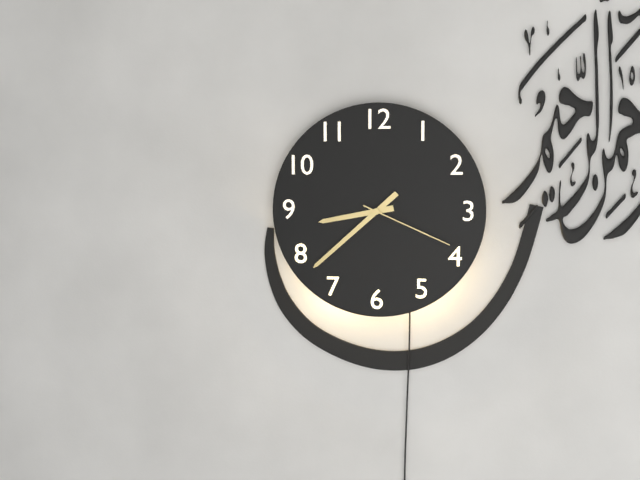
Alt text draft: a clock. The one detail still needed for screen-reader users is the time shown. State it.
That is 8:38:19
